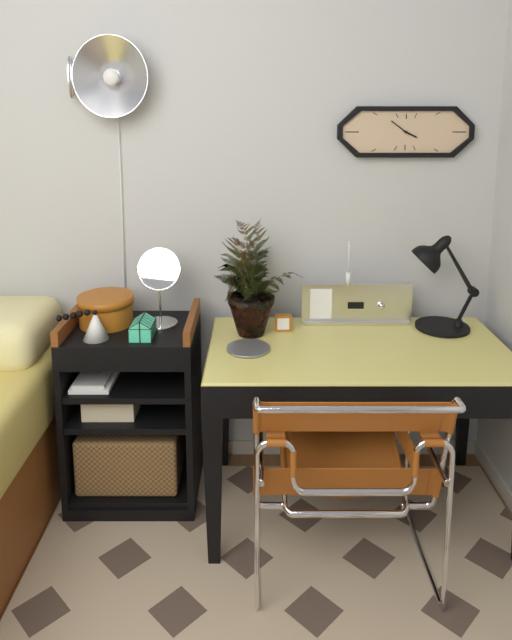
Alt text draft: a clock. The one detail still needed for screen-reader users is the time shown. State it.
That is 3:51
